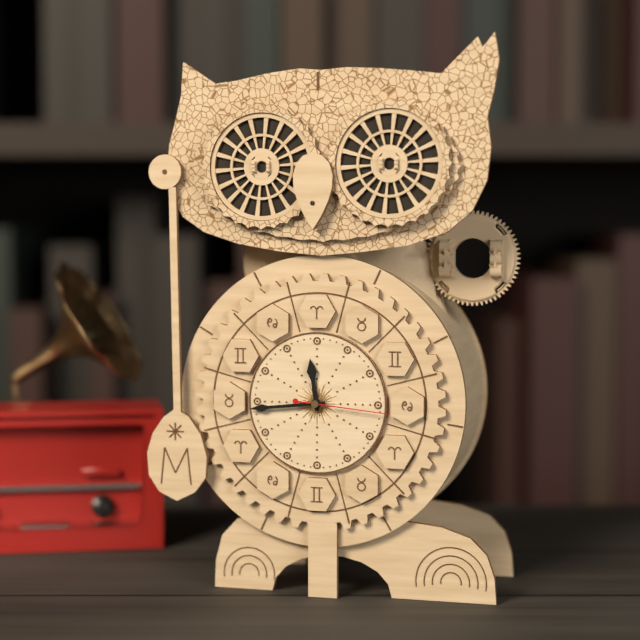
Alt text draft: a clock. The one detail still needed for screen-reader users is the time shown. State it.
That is 11:44:16
